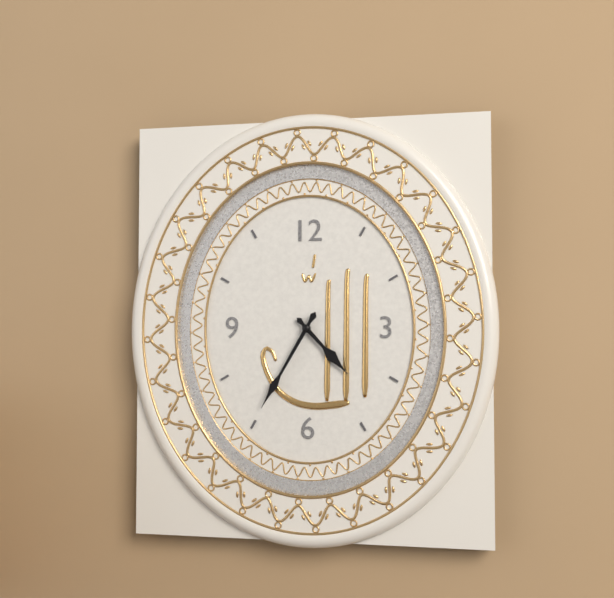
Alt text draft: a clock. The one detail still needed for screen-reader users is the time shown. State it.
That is 4:35
